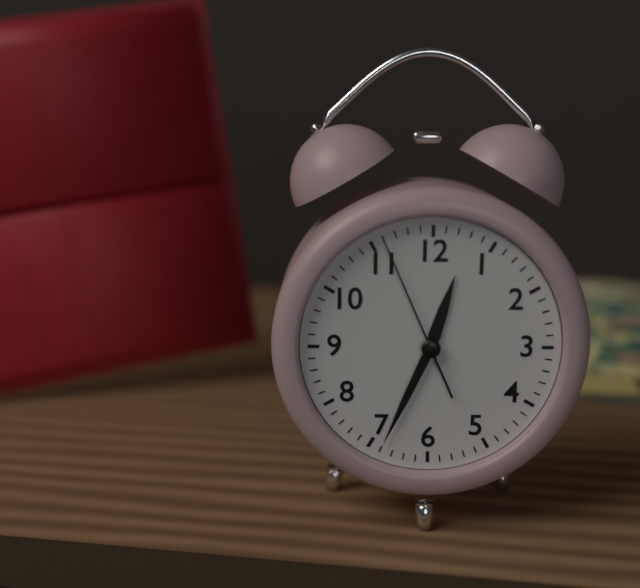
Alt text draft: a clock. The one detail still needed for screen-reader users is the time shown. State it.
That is 12:34:56
